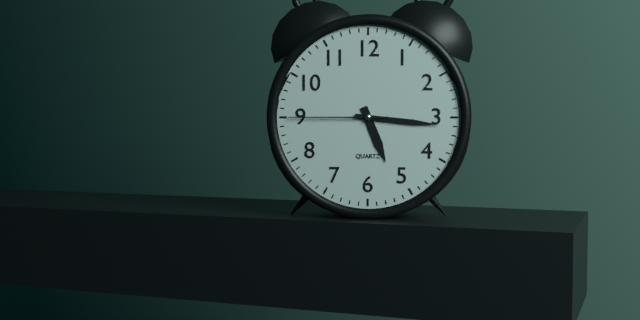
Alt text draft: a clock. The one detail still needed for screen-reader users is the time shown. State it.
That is 5:16:45
